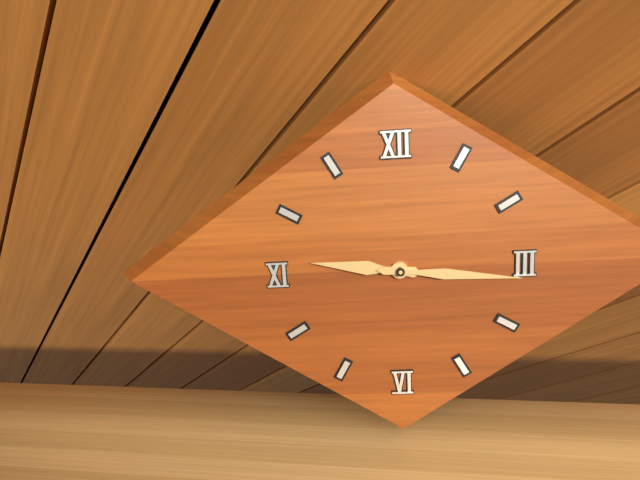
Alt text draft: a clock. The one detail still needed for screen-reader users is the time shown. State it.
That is 9:16
